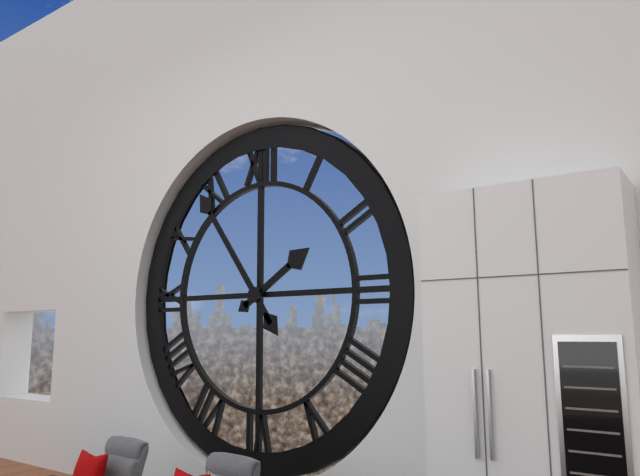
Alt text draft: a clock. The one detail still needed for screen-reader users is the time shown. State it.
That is 1:54
